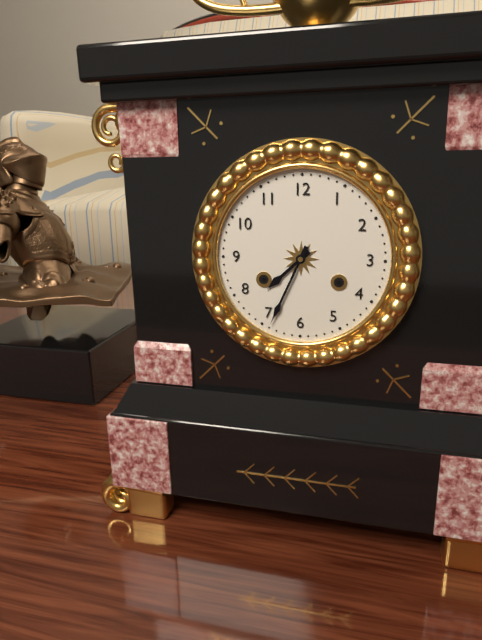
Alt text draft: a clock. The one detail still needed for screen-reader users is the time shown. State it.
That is 7:34
